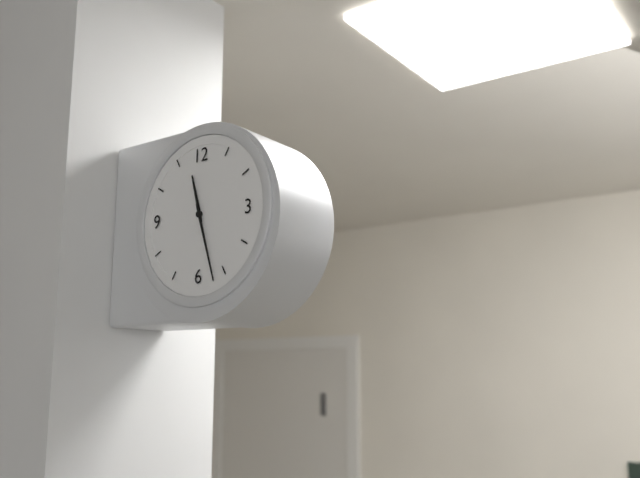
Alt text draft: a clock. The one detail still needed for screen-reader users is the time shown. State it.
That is 11:27
